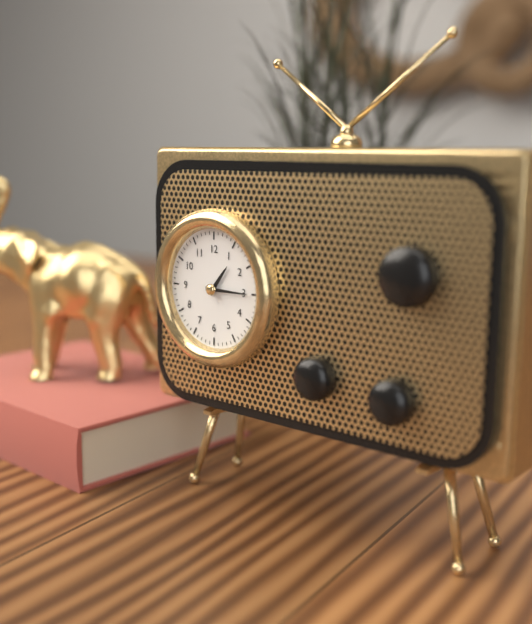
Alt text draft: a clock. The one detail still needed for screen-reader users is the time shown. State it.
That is 1:15
